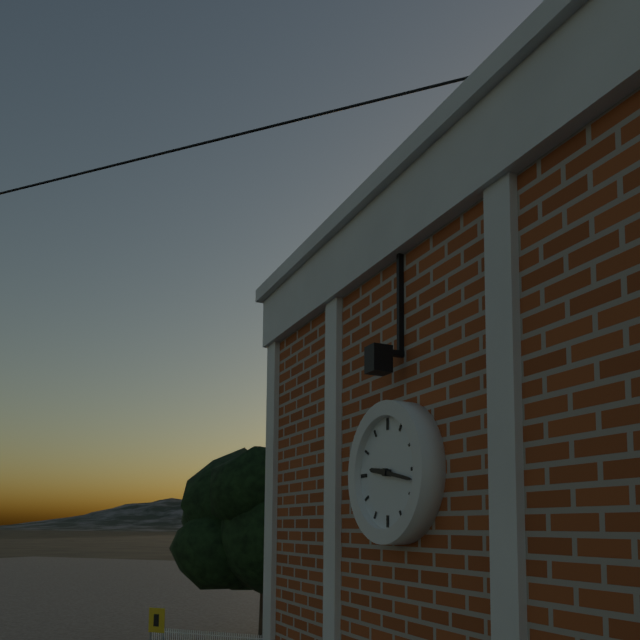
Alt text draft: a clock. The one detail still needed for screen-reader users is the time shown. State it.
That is 9:17
